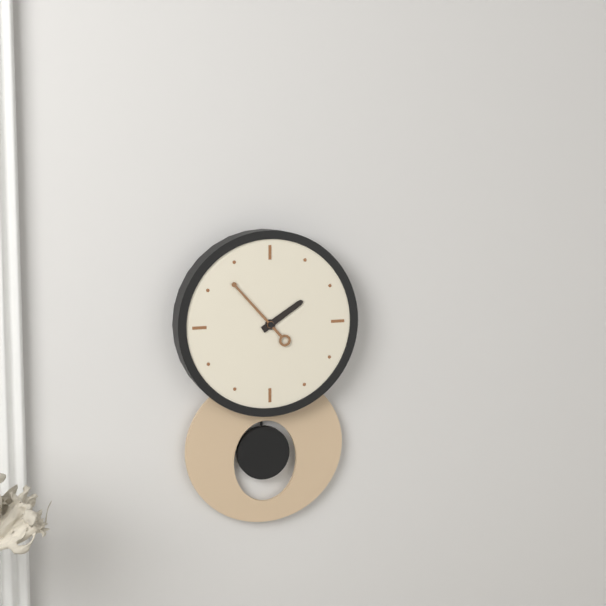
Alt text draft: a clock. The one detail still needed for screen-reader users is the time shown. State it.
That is 1:53
